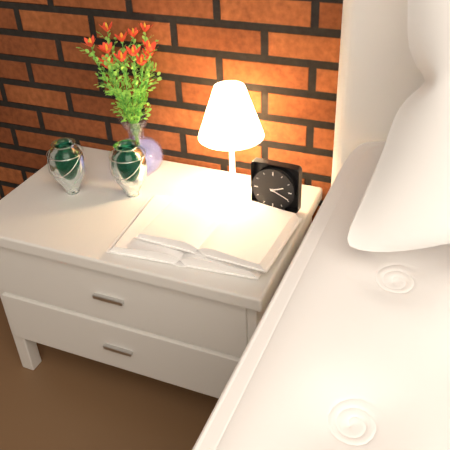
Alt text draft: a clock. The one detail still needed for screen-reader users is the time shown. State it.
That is 2:19
